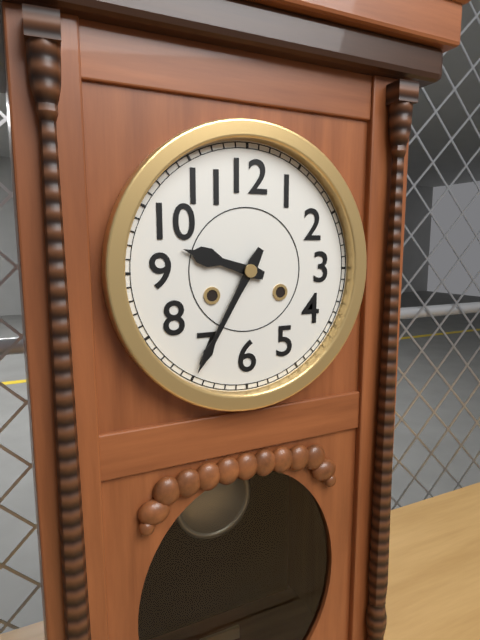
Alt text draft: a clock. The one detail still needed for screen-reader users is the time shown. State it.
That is 9:35
